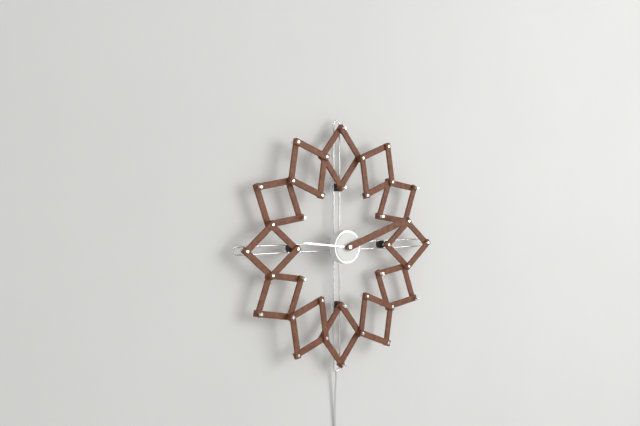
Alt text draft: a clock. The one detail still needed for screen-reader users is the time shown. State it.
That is 9:12
